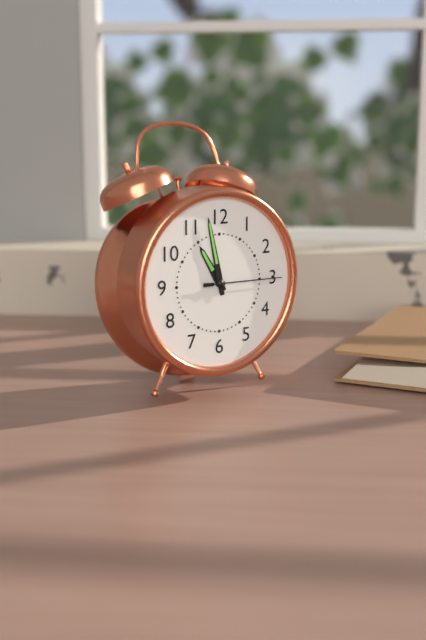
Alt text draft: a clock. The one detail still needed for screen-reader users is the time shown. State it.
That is 10:58:15
